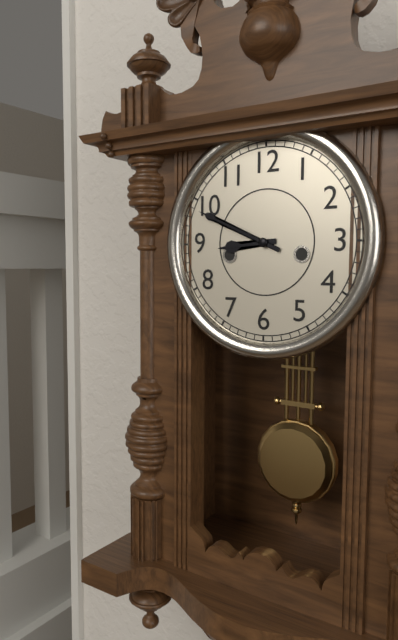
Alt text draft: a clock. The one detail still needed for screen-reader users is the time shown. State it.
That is 8:49
